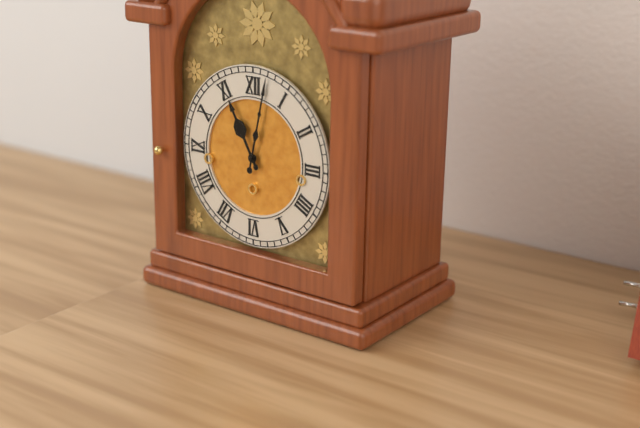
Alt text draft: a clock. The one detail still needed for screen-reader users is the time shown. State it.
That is 11:02
